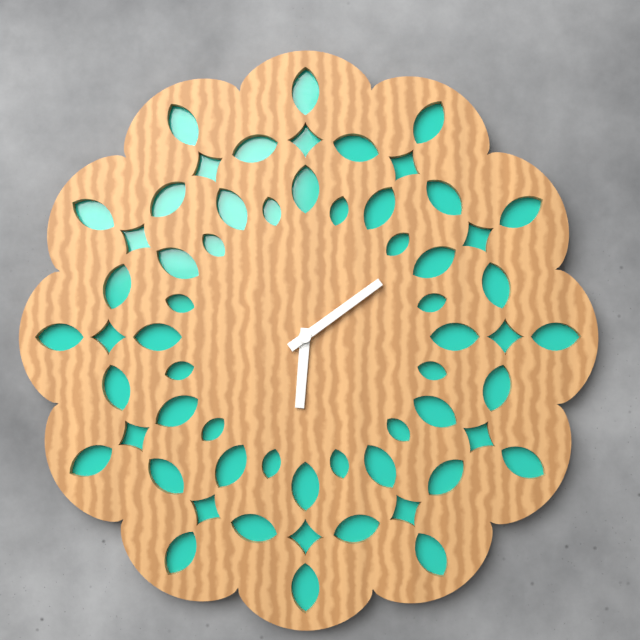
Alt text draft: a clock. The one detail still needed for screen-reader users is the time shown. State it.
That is 6:09
